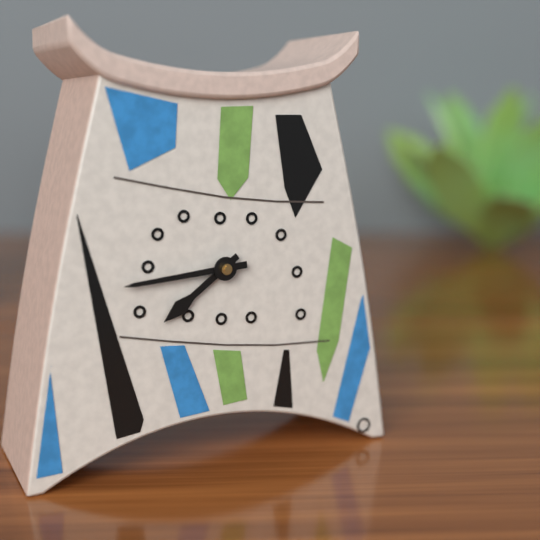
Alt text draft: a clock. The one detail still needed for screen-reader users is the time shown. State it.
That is 7:44
